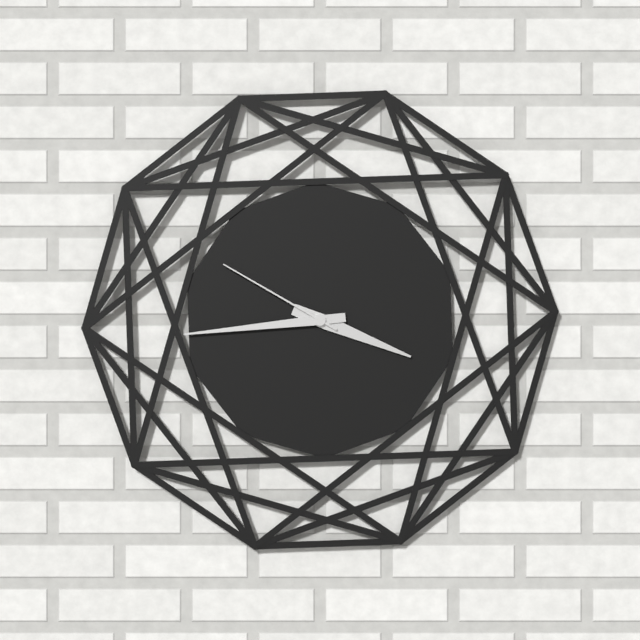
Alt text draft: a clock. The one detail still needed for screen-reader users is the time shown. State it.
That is 3:44:50
